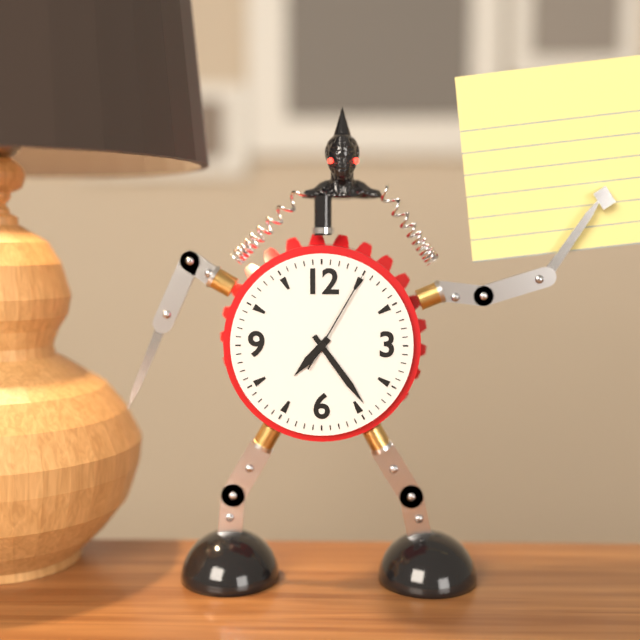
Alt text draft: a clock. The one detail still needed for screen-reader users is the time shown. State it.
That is 7:24:05
